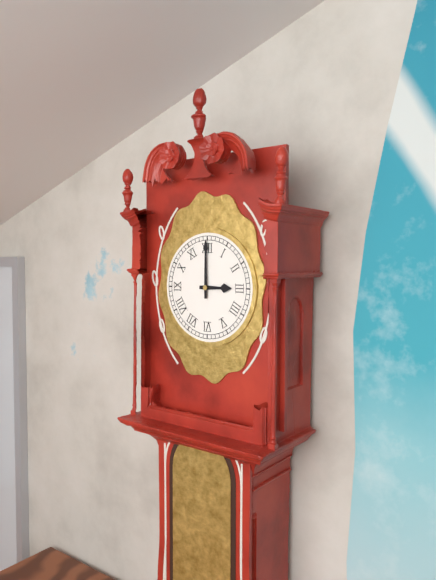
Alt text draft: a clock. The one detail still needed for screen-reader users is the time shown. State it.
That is 3:00
